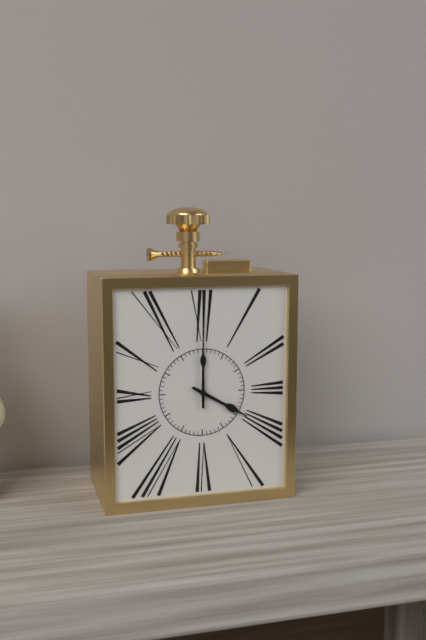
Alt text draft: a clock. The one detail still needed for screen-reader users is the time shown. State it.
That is 4:00
